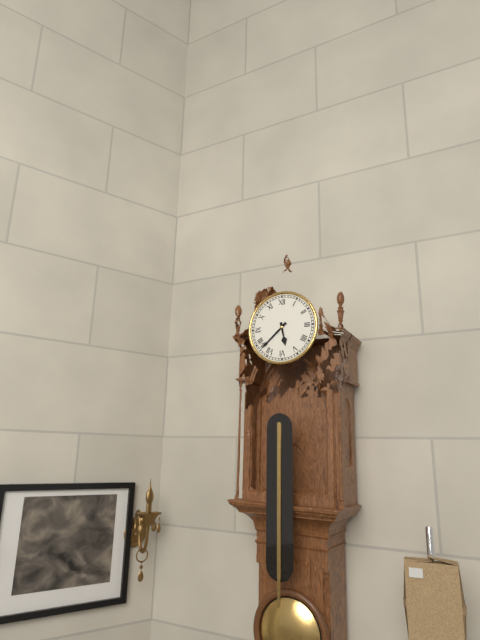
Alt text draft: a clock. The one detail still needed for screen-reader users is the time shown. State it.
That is 5:38
